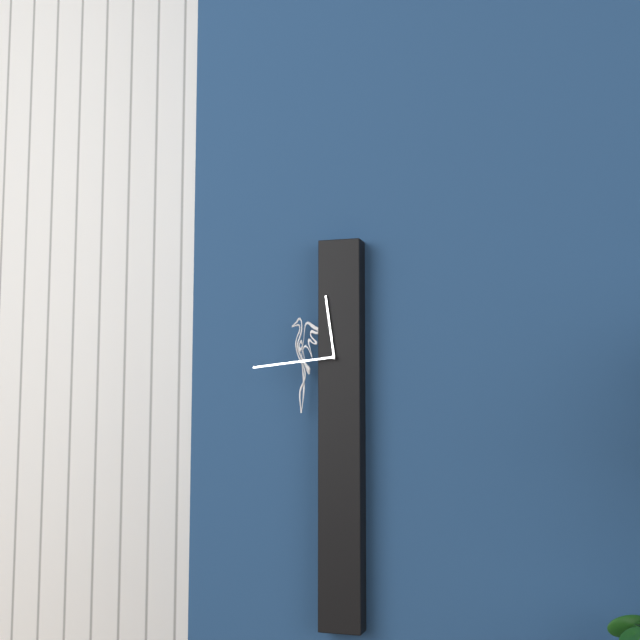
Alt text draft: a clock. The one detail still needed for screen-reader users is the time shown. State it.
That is 11:44
